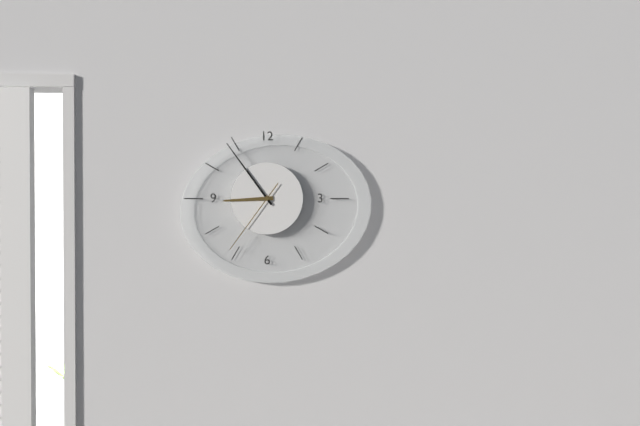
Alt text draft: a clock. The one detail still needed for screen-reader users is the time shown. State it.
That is 8:54:36
